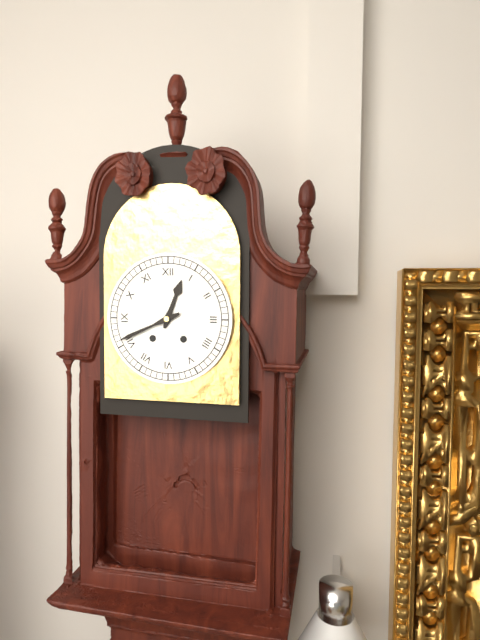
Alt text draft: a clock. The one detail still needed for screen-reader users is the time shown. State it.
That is 12:41
